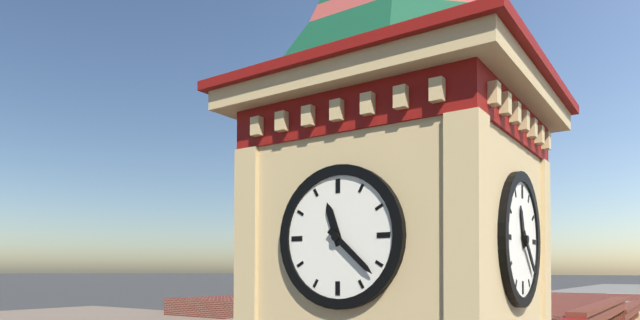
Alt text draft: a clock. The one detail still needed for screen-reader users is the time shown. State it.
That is 11:22
